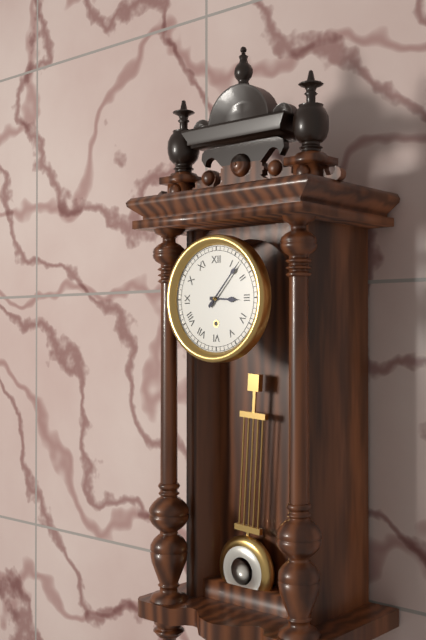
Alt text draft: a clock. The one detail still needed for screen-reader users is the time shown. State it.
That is 3:07
